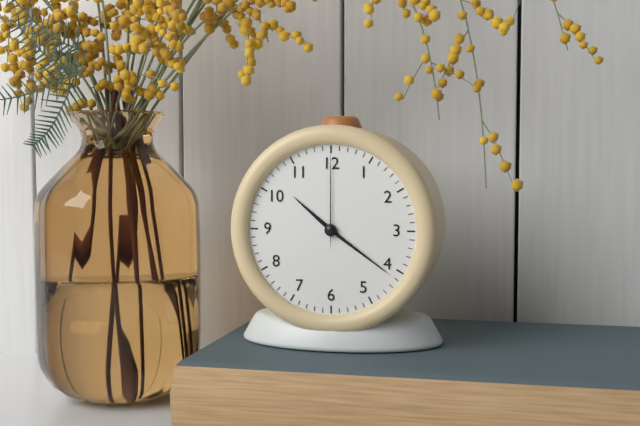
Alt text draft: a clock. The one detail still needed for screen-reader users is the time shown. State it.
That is 10:21:00
